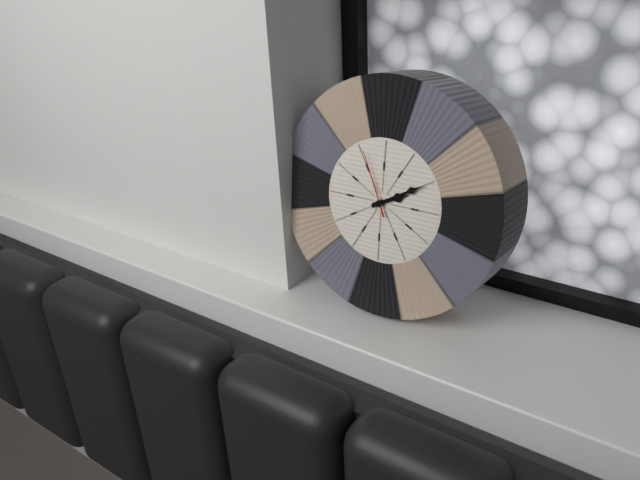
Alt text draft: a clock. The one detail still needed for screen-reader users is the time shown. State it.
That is 2:10:56
